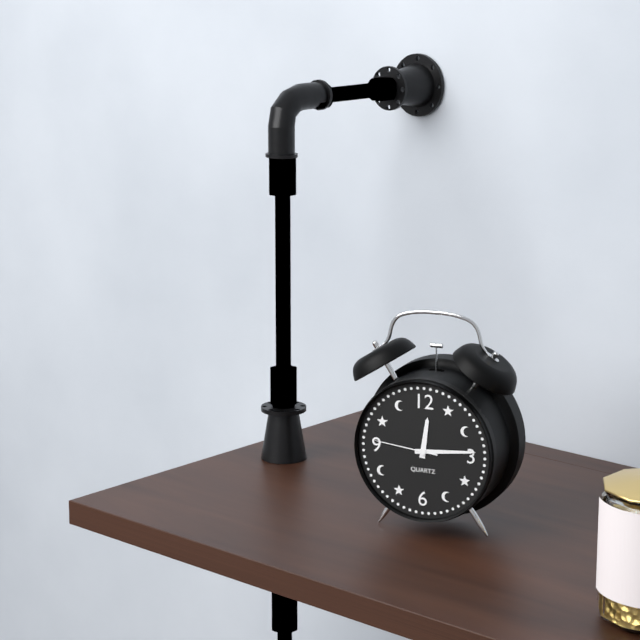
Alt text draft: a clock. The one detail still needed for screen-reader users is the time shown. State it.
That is 12:14:46
